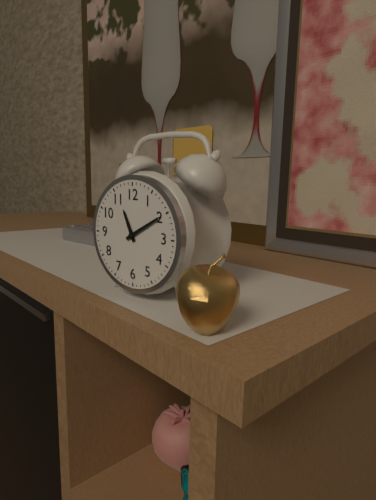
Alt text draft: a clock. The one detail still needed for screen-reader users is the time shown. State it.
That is 11:10
